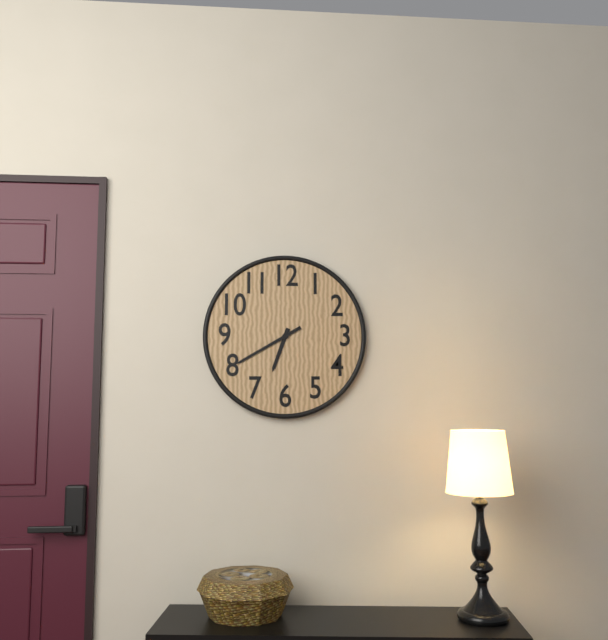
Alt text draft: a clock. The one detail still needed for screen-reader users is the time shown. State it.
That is 6:40
